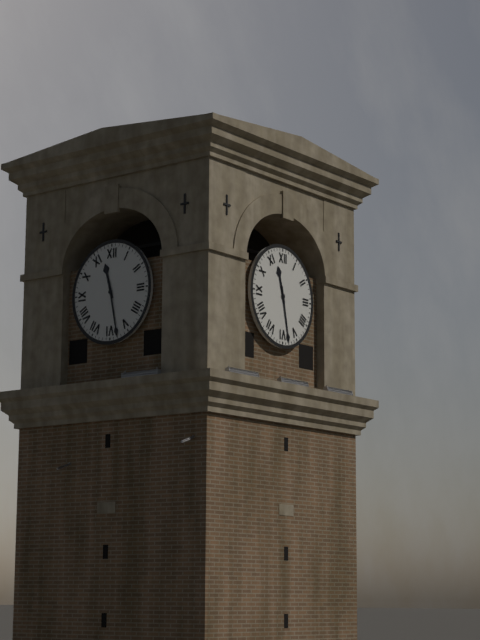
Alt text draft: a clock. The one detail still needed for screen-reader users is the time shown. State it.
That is 11:28
